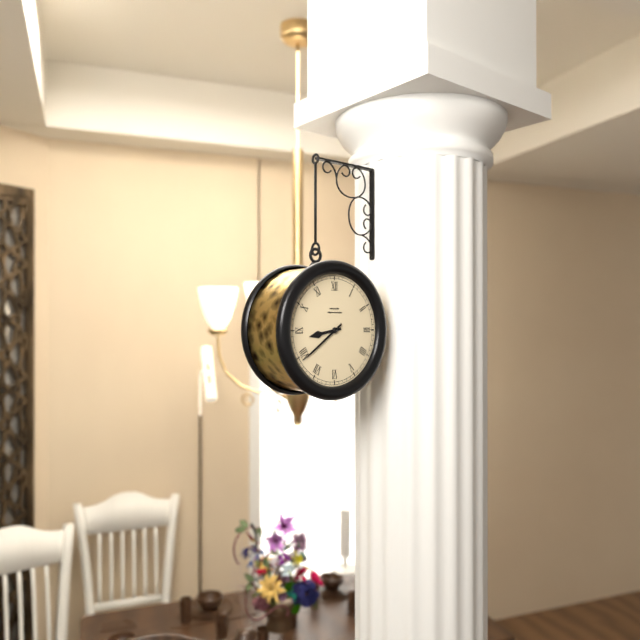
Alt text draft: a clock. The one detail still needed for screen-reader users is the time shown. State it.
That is 8:39
